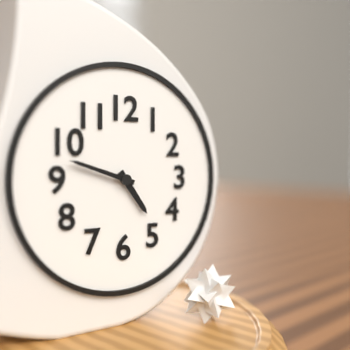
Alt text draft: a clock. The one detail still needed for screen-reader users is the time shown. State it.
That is 4:48
